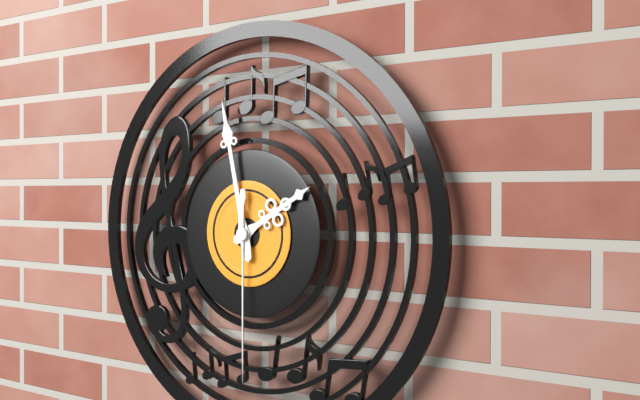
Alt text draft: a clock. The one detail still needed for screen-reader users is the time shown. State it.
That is 1:58:30
